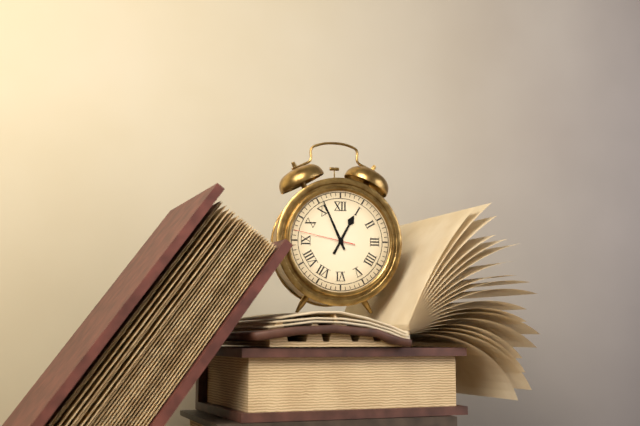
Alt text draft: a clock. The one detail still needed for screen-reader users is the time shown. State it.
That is 12:56:47
